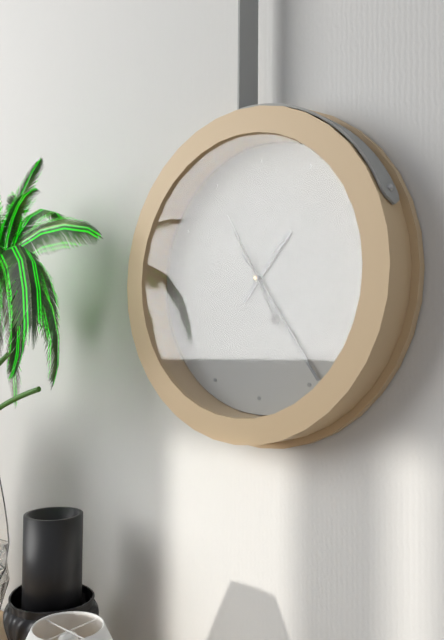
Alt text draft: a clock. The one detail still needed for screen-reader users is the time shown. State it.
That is 1:24:55
